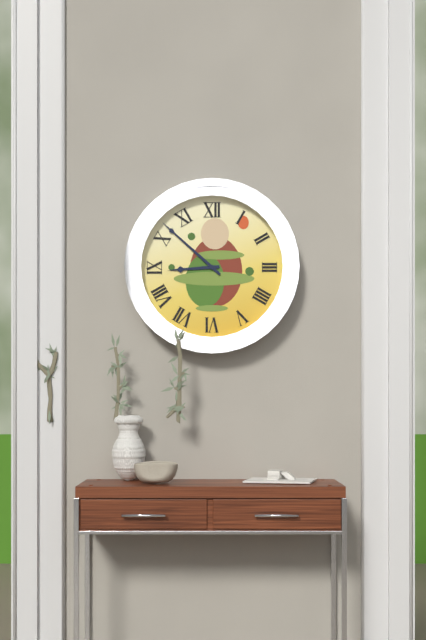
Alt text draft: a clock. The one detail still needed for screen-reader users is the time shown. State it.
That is 8:52
